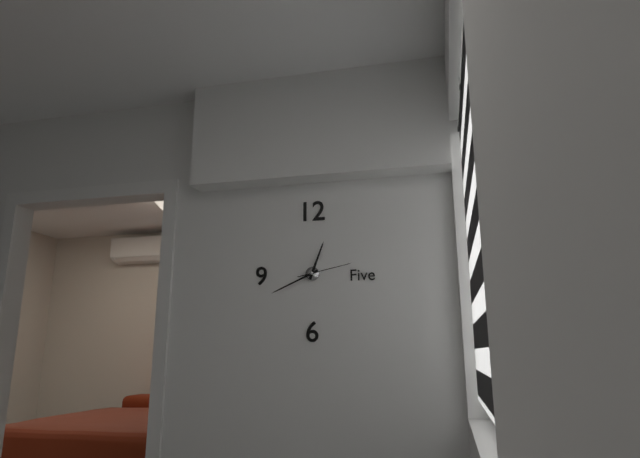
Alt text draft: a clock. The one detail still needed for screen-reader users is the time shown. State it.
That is 12:41:13
